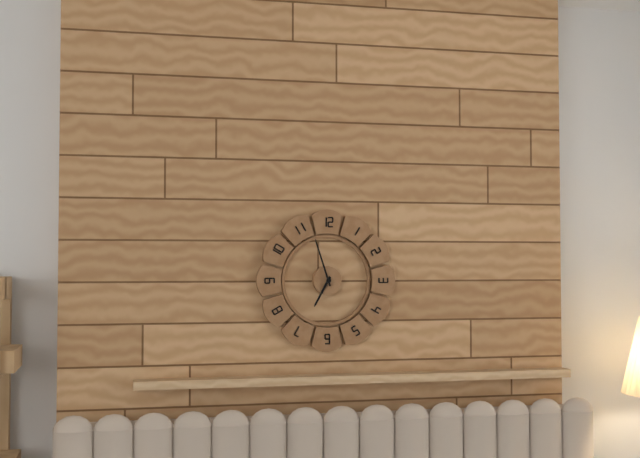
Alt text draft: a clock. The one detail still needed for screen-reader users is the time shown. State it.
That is 6:57
